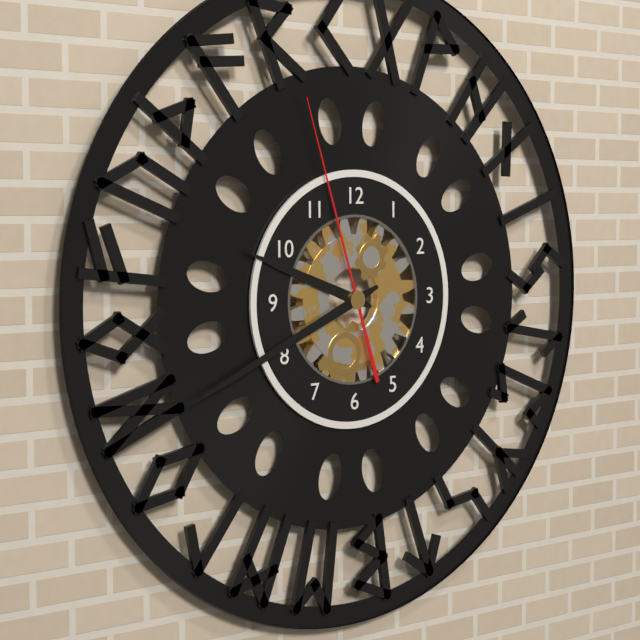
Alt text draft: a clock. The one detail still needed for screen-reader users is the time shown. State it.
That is 9:41:57
